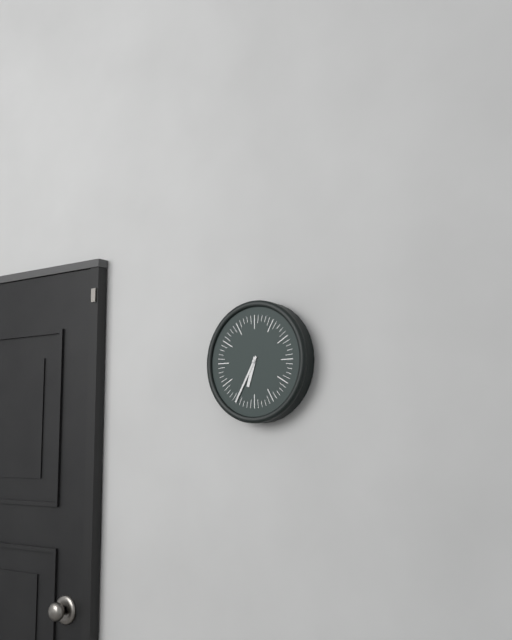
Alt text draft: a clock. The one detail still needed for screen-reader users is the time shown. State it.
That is 6:35
